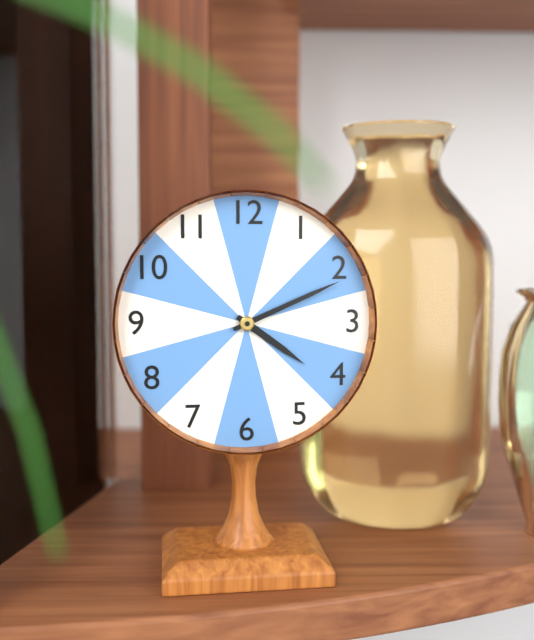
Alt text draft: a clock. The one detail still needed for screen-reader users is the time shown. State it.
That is 4:11
